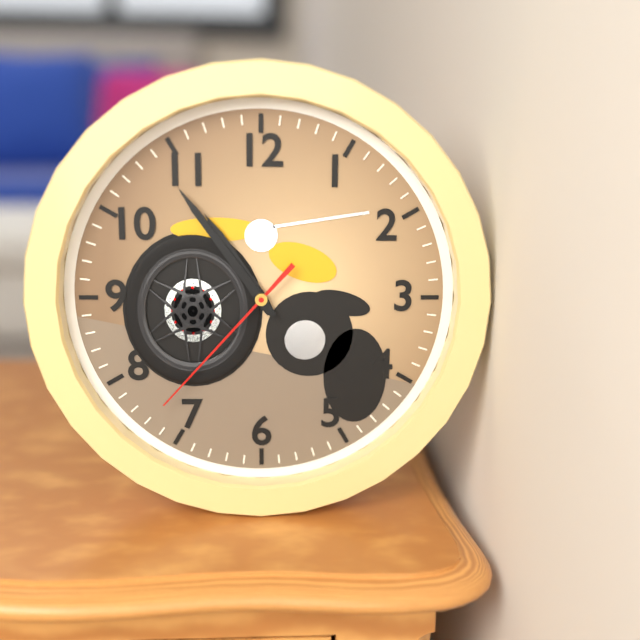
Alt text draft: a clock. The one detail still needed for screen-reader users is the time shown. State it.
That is 10:54:37
